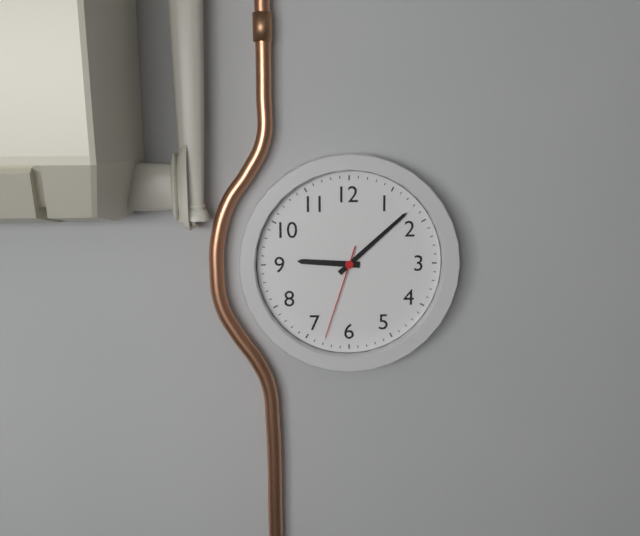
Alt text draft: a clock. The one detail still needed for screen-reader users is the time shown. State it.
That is 9:08:33
